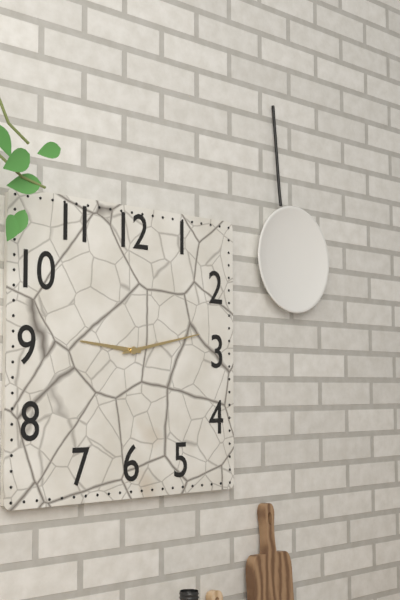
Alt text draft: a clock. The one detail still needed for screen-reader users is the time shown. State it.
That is 9:13
